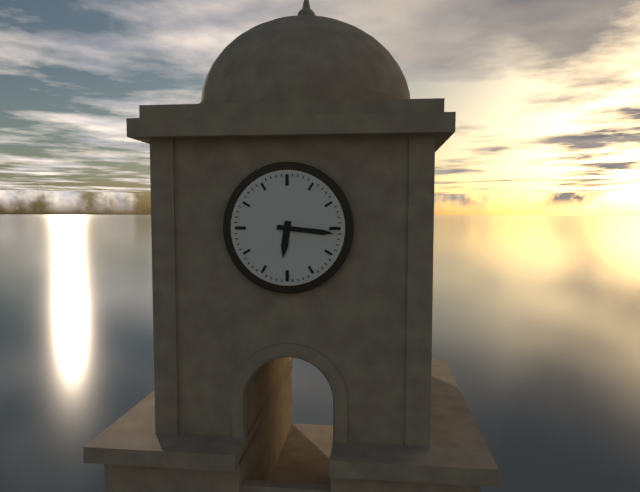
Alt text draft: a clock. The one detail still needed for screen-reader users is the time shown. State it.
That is 6:16
